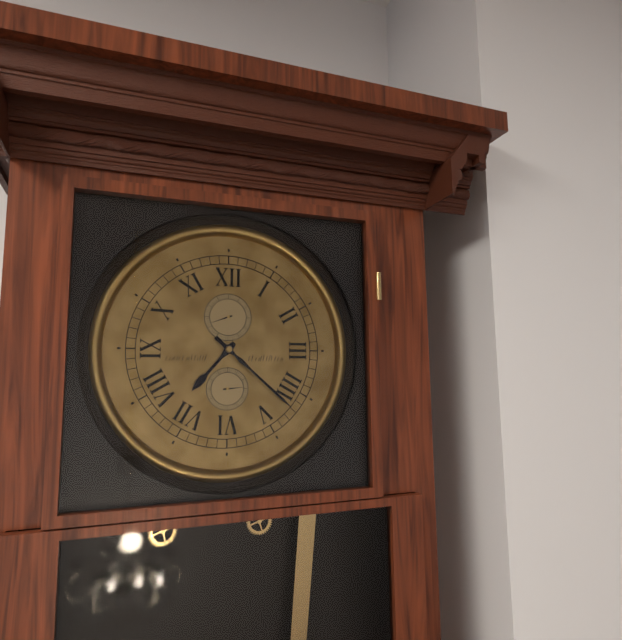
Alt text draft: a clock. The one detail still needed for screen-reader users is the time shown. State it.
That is 7:22
